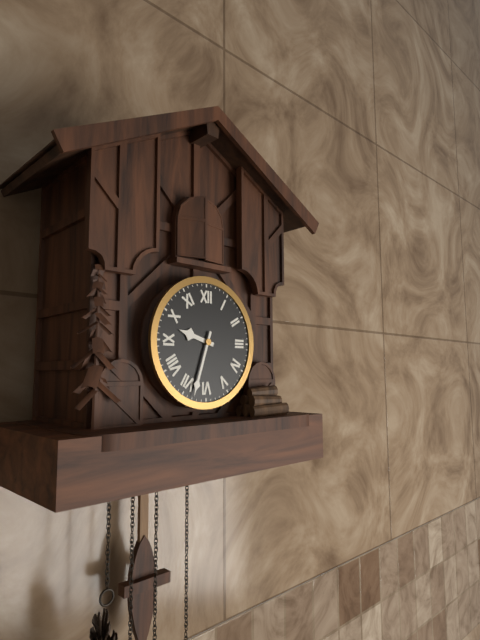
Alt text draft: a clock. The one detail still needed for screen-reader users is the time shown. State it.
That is 9:33
